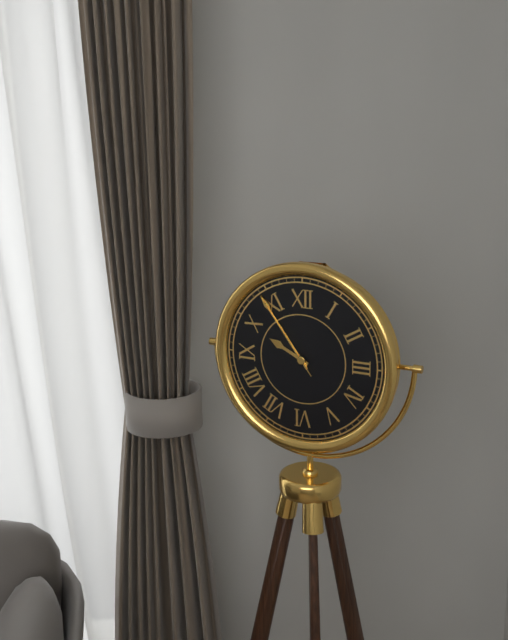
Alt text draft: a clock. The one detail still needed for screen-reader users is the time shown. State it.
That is 9:54:54
